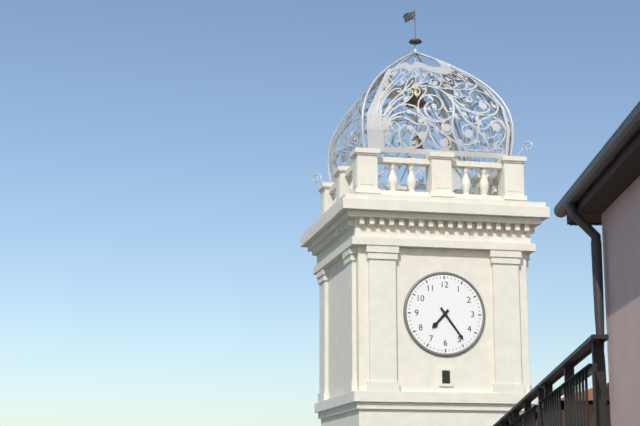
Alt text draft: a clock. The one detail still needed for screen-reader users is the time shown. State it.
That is 7:24
